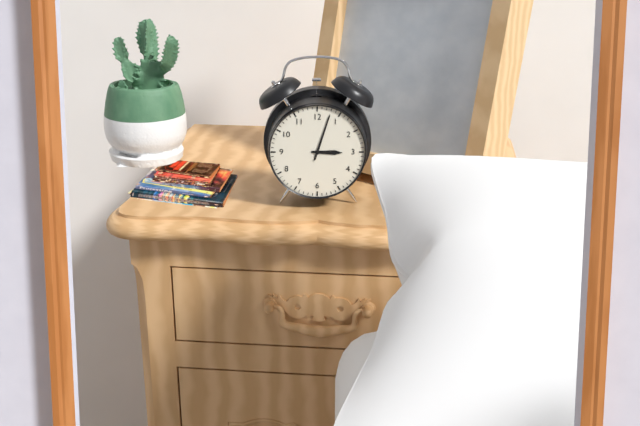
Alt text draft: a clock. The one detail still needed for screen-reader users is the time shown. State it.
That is 3:03
